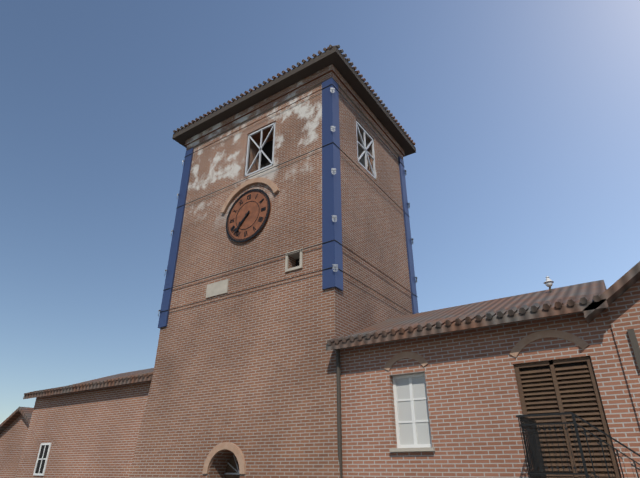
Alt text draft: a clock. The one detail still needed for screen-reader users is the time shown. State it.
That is 7:37
